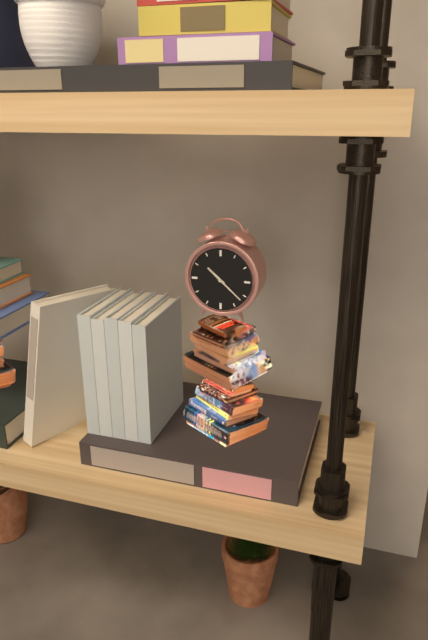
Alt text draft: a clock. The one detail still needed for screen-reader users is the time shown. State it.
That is 10:22
